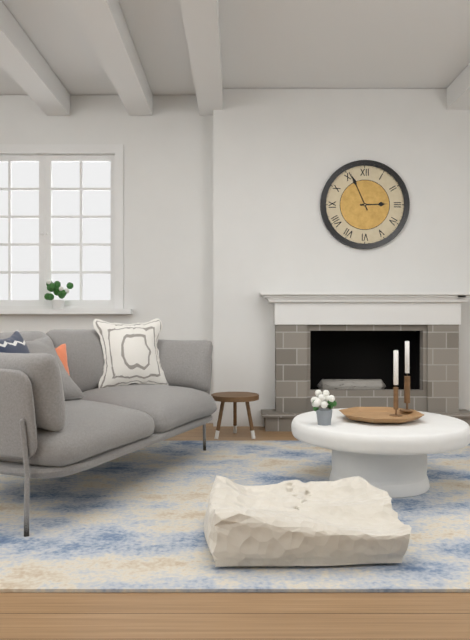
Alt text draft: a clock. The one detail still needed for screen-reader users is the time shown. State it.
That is 2:56
